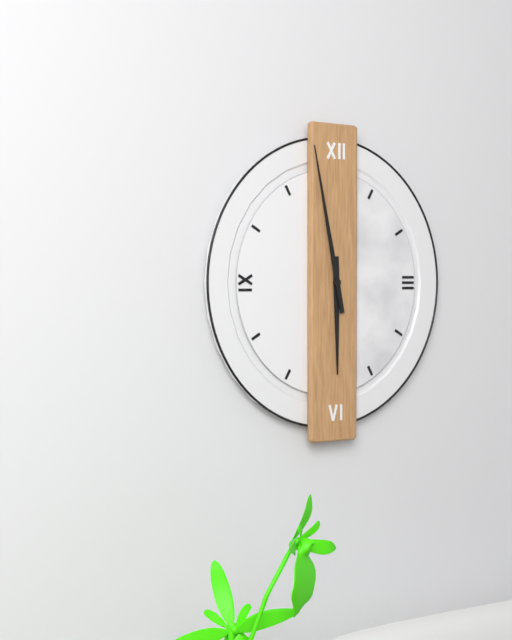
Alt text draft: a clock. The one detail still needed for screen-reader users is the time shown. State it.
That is 5:58
